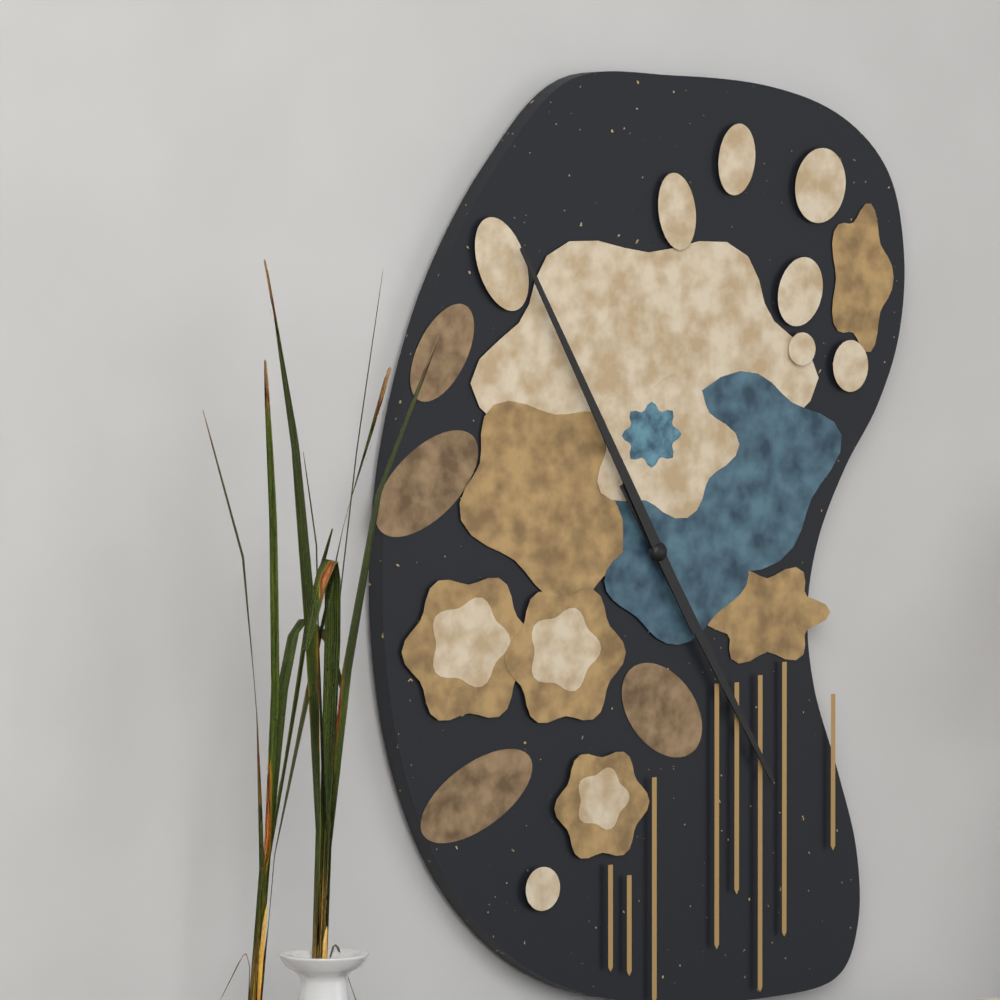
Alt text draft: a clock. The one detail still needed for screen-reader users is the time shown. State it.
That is 4:55
